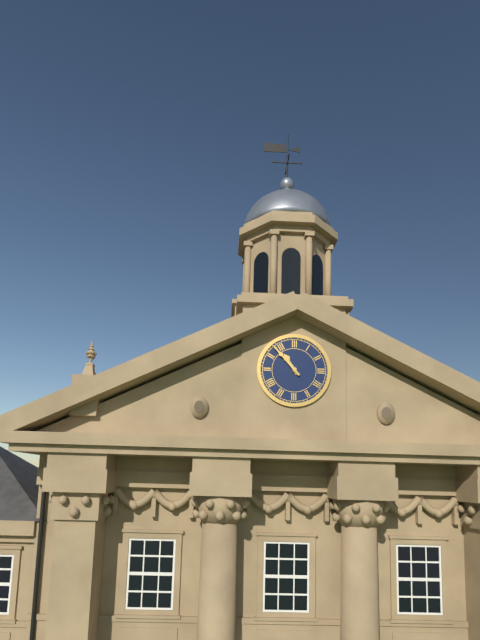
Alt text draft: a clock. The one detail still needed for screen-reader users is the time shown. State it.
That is 10:53
